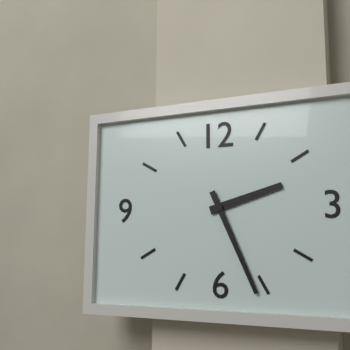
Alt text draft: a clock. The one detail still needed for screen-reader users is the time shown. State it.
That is 2:26
